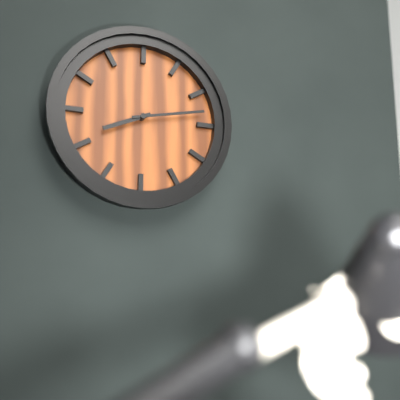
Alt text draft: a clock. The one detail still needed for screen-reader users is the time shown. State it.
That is 8:13
